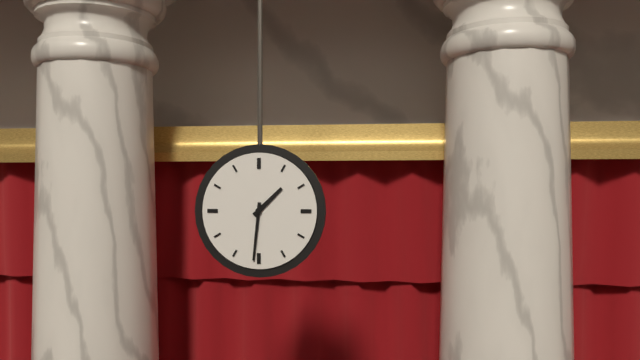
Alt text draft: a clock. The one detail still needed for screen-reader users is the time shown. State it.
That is 1:31
